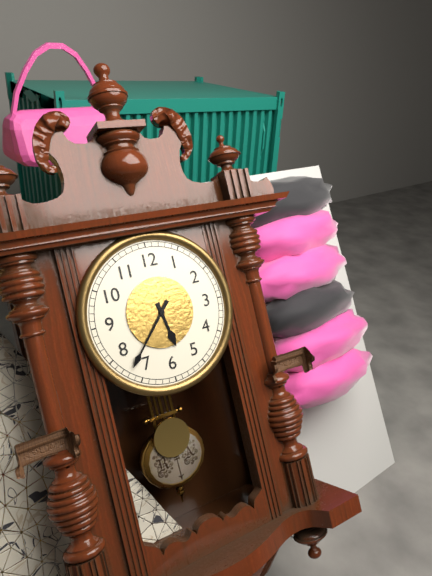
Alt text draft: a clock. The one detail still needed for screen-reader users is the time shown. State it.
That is 5:37
